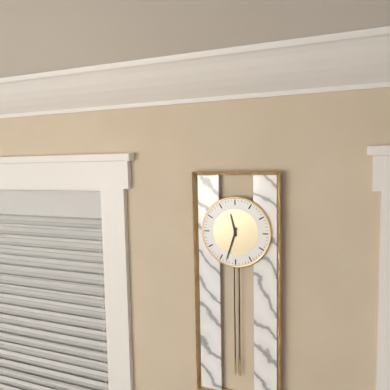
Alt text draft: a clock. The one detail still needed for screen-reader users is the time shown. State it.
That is 11:33
